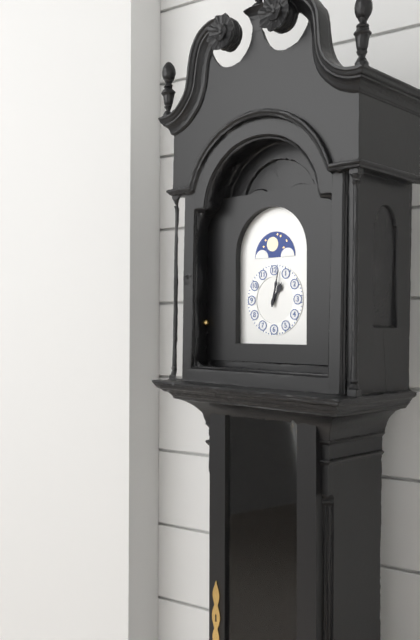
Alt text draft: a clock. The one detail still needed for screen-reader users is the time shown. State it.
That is 1:02
